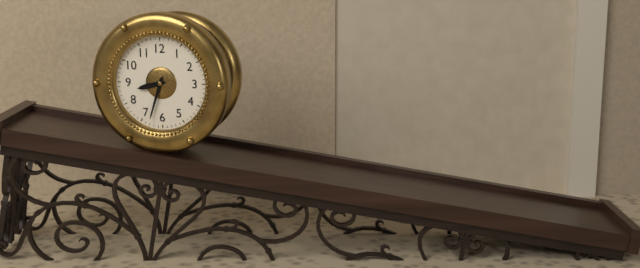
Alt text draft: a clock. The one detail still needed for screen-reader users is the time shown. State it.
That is 8:33
